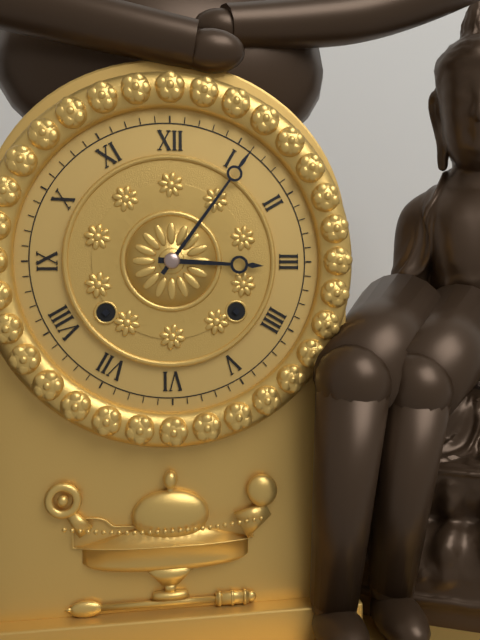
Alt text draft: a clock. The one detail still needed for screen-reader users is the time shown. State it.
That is 3:06
